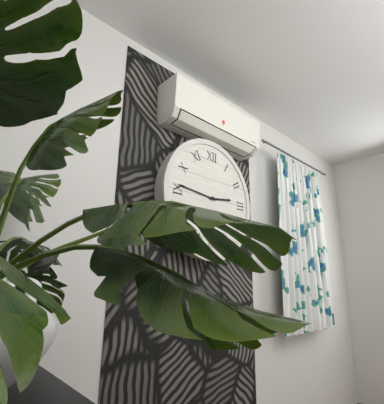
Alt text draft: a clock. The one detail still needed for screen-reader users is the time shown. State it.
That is 2:46
